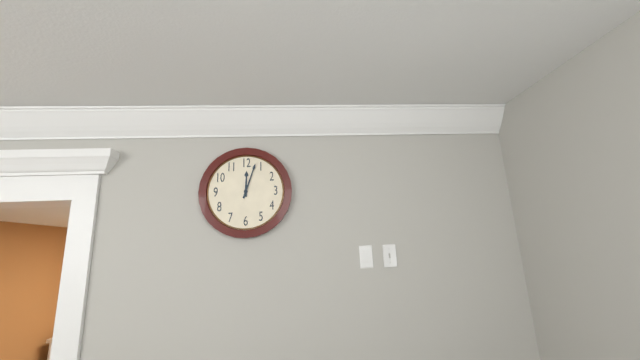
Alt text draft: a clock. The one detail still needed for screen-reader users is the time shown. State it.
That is 12:03
